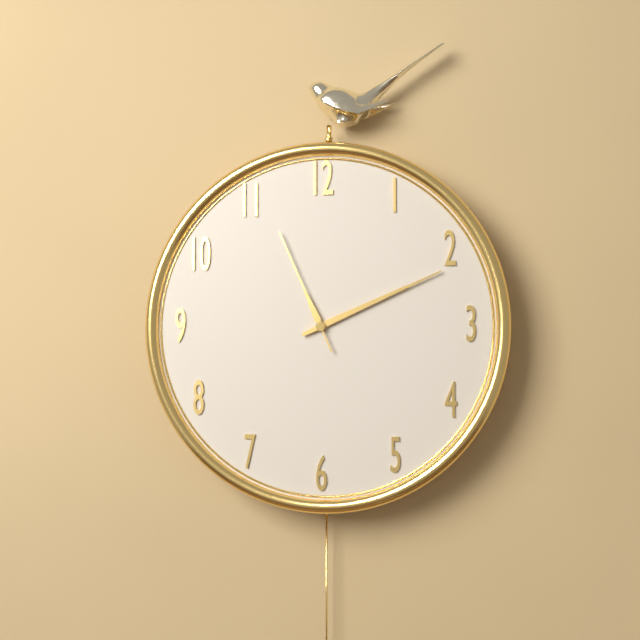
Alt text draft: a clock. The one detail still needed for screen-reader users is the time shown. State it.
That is 2:11:56
